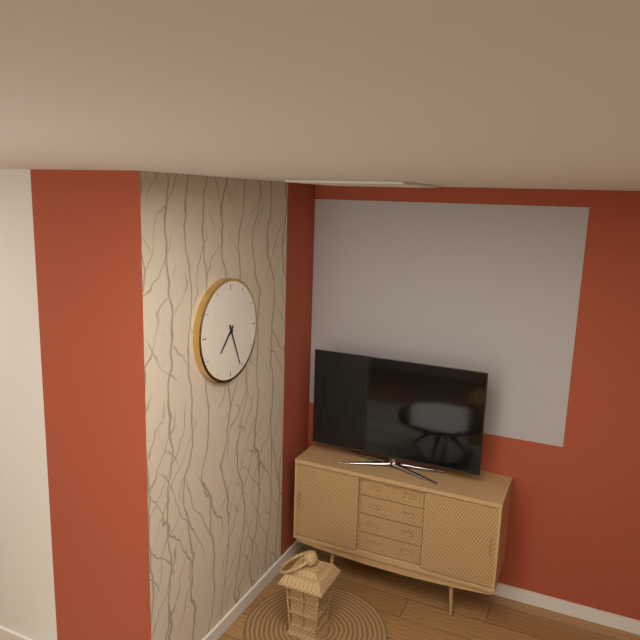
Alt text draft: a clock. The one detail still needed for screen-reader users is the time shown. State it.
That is 7:26
